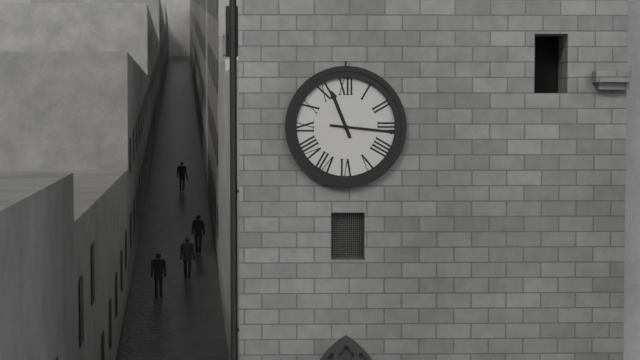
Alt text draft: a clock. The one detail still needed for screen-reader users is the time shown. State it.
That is 11:16
